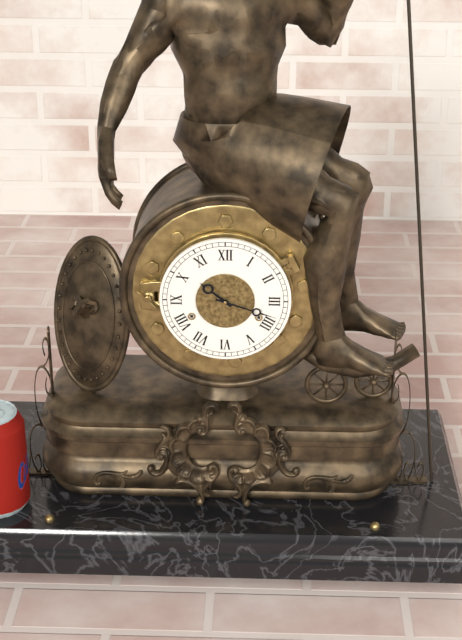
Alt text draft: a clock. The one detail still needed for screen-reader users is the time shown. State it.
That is 10:18
